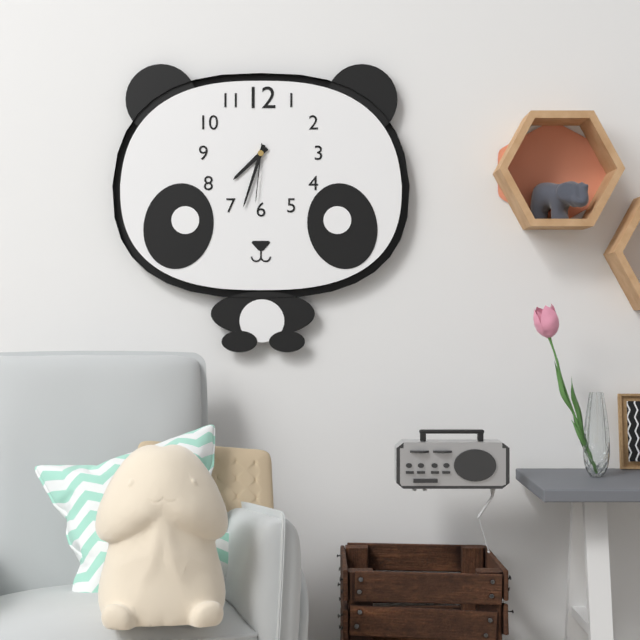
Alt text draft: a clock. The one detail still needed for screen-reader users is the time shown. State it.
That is 7:33:31
